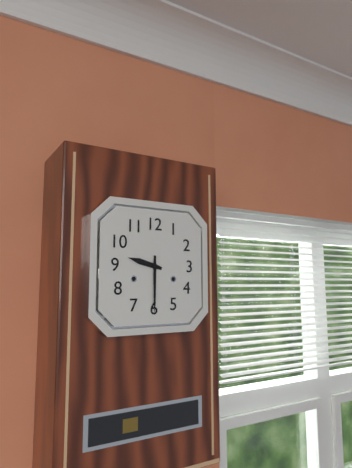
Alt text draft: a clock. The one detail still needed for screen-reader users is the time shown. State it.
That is 9:30
